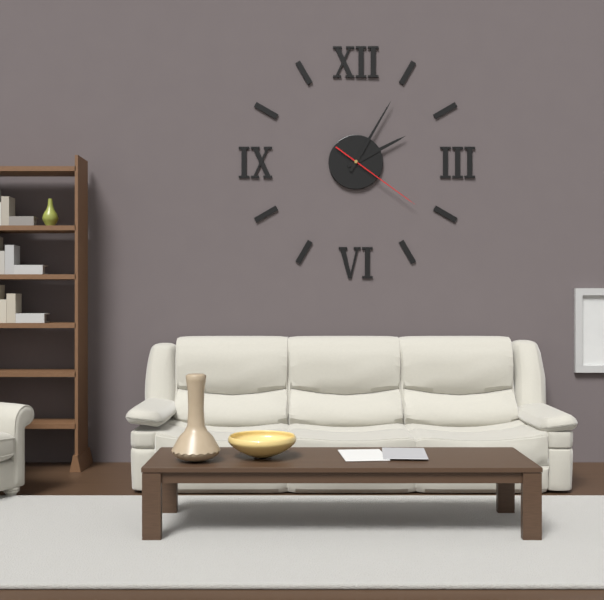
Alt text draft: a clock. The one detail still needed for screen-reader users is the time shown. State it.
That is 2:05:21
